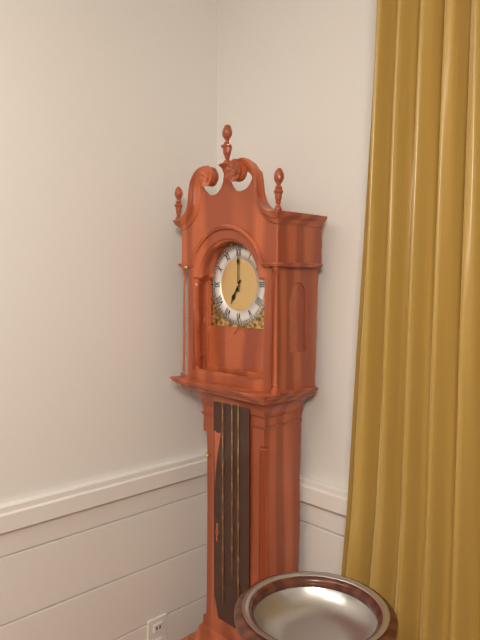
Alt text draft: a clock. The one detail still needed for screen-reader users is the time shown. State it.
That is 7:00
